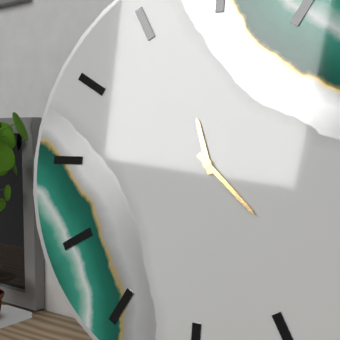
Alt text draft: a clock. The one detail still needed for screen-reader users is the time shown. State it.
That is 11:22
